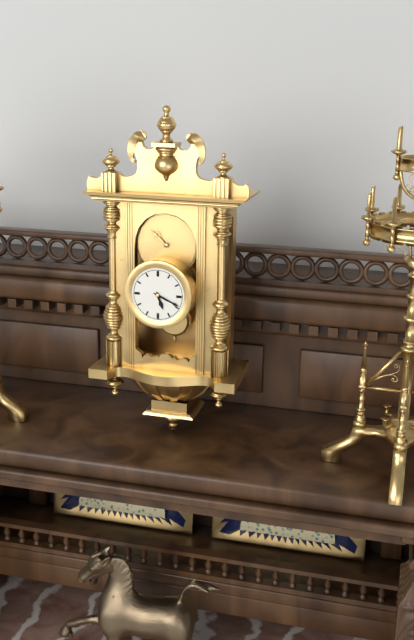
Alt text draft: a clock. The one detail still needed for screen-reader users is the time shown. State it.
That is 5:19
